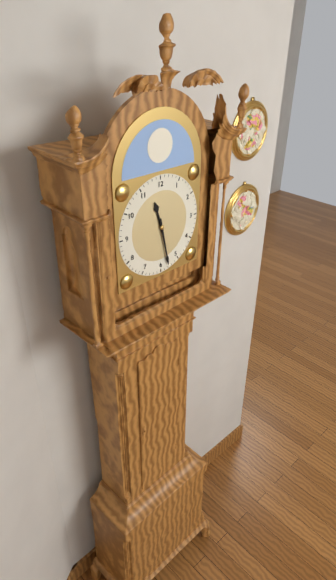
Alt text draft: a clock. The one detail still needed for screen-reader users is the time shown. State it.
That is 11:28
